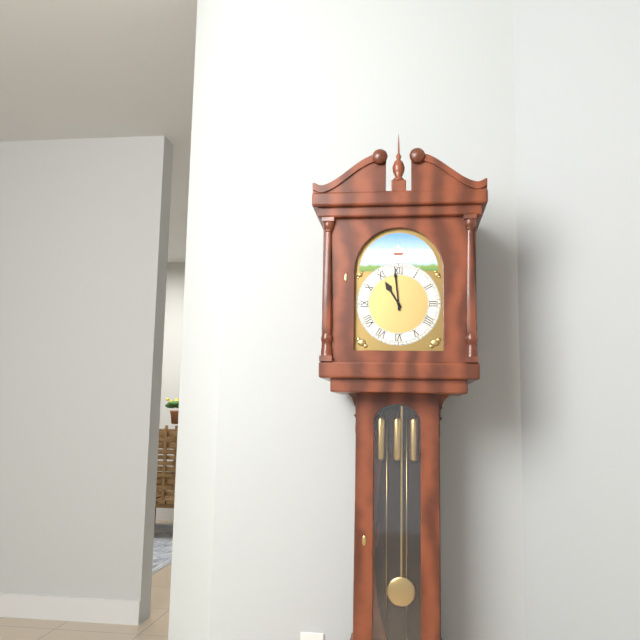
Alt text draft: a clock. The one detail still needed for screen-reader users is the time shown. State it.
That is 10:59
